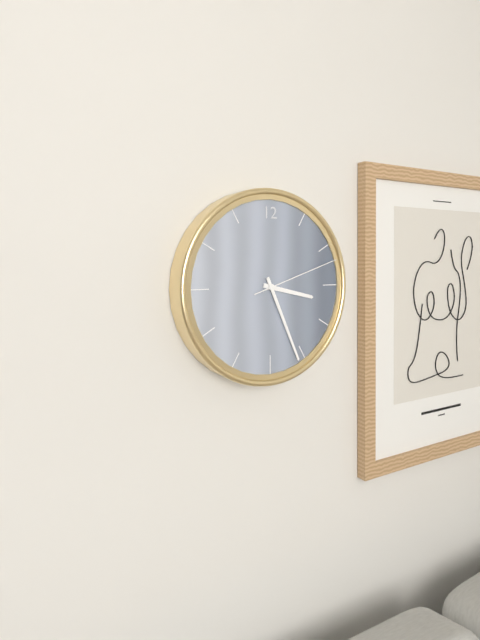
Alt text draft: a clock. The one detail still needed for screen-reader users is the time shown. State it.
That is 3:26:12
